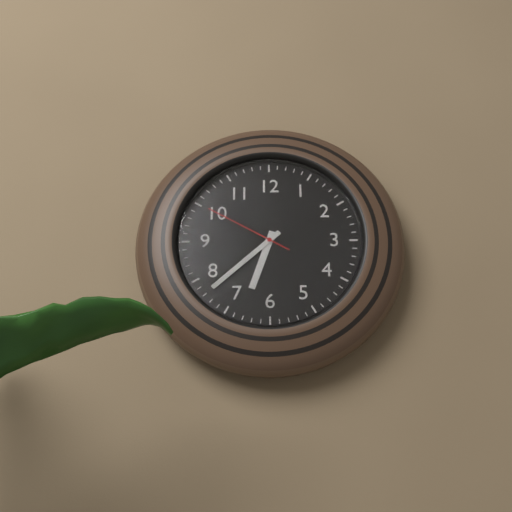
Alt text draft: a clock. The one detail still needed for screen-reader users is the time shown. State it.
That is 6:38:50
